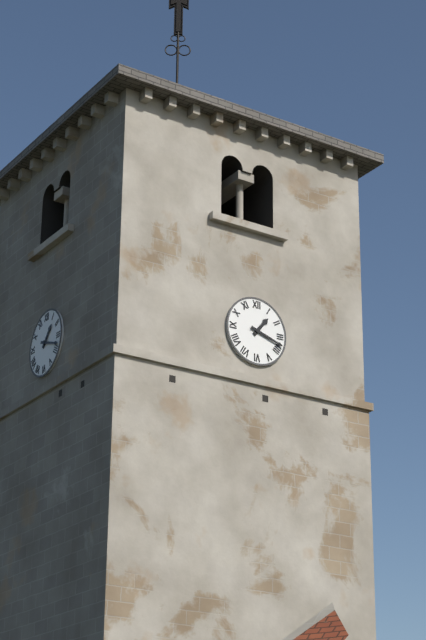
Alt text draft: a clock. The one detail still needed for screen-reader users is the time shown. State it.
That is 1:18
